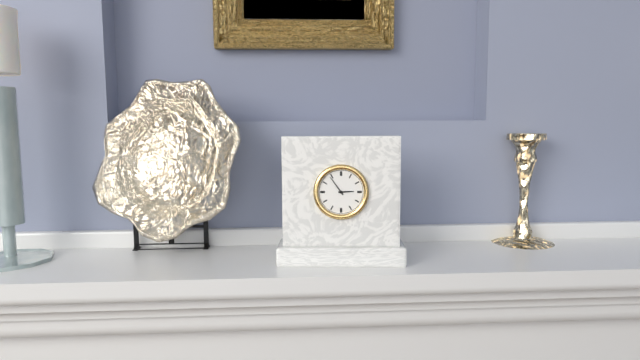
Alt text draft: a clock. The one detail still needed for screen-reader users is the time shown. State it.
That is 2:54
